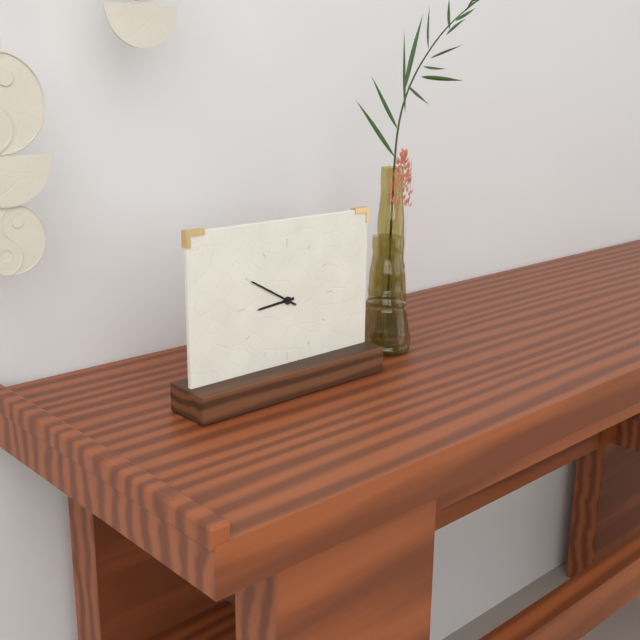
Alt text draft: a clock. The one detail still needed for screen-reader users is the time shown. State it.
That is 8:50
